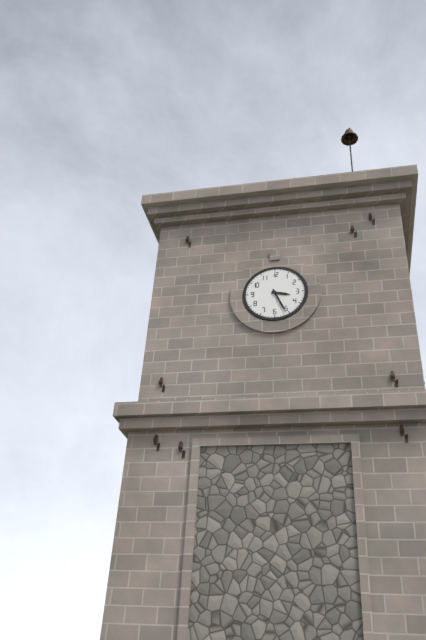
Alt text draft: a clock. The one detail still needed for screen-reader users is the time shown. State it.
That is 3:26
